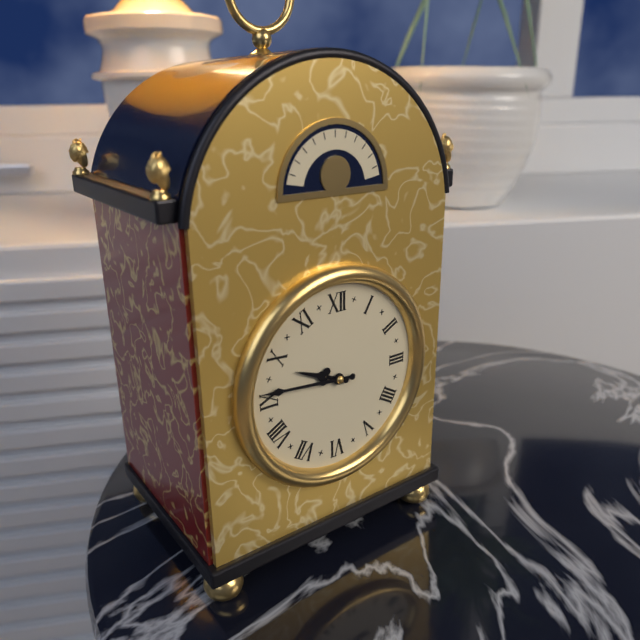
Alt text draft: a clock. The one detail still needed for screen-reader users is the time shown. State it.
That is 9:46
